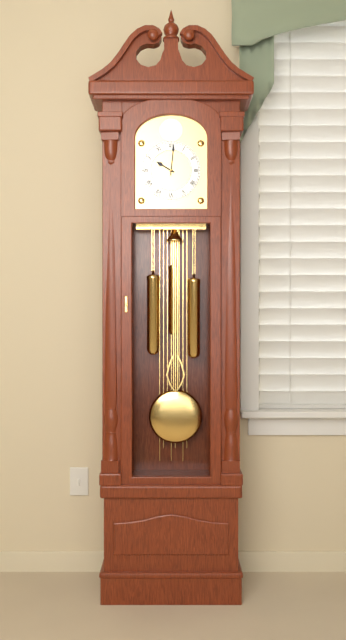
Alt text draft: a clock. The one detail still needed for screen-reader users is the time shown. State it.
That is 10:01
